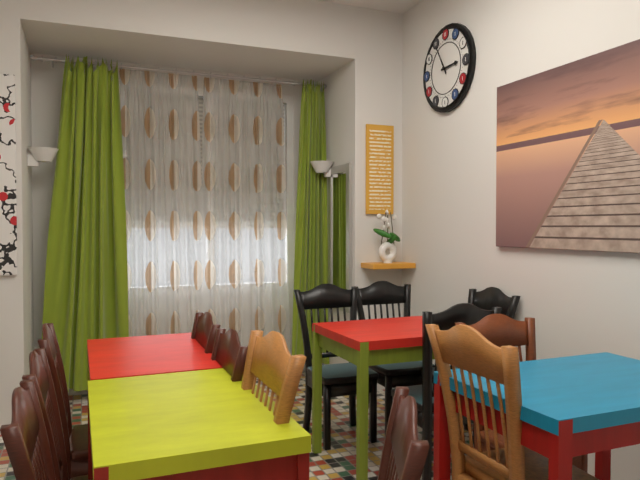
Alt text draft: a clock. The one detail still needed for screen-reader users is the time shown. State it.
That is 2:55
